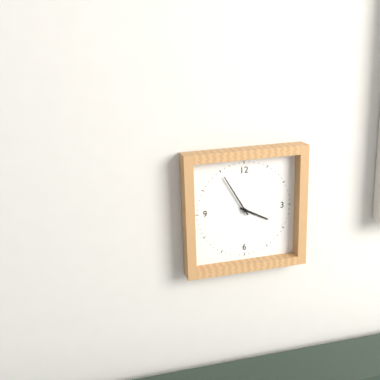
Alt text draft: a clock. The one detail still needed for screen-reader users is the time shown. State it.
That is 3:55
